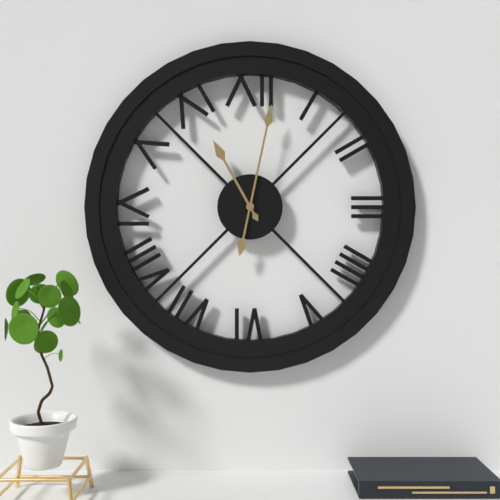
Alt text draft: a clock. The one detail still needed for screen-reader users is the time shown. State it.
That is 11:02
